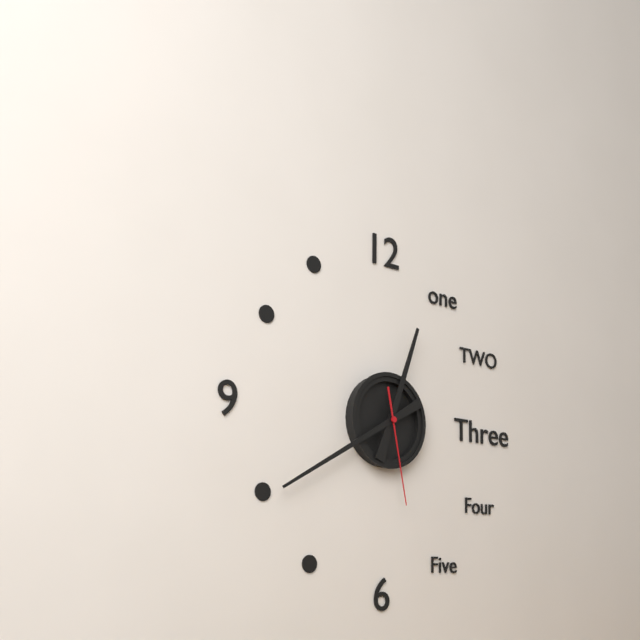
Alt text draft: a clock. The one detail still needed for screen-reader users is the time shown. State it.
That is 12:40:28
